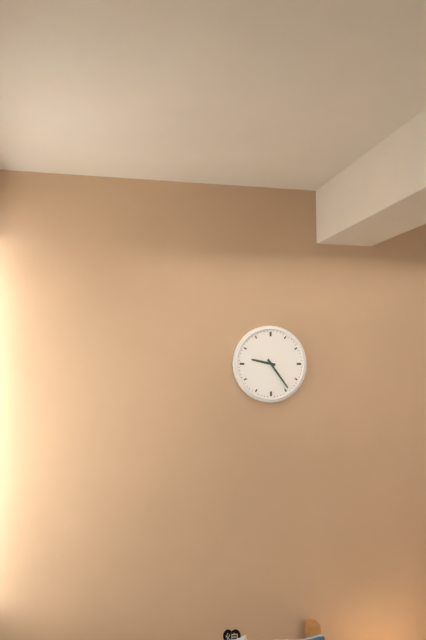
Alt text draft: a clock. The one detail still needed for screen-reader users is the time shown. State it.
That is 9:24
